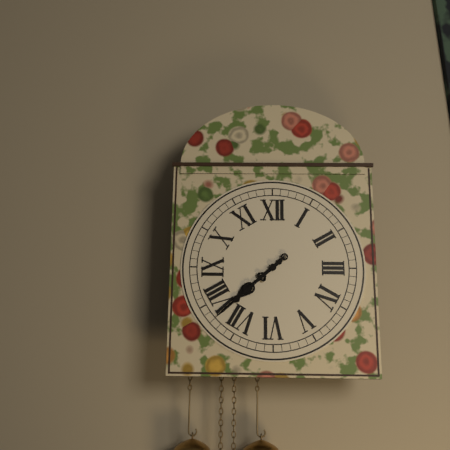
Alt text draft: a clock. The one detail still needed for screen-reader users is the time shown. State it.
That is 7:38
